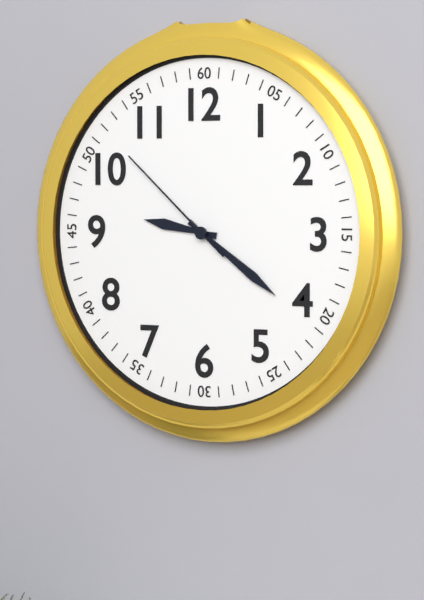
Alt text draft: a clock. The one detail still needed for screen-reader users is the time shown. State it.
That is 9:21:52
